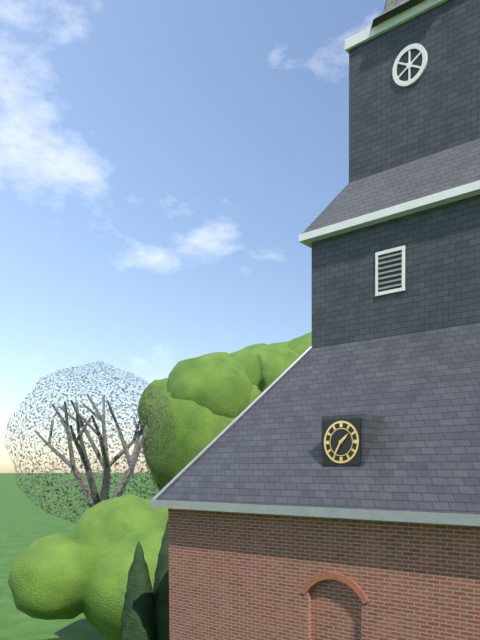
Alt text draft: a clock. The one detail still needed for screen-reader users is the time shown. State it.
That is 1:35
